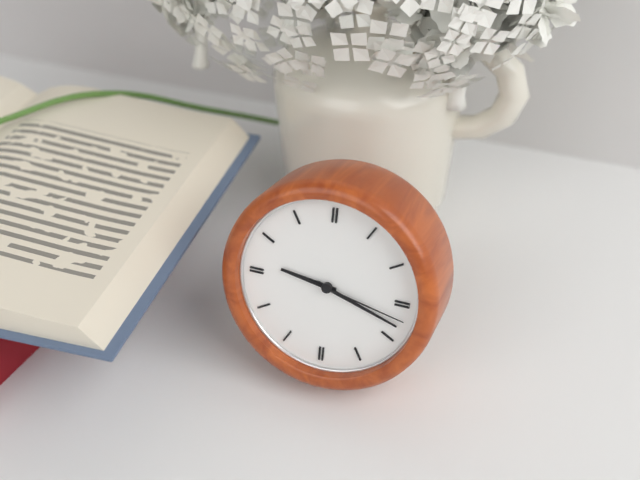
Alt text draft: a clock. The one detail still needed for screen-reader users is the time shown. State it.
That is 9:18:17
